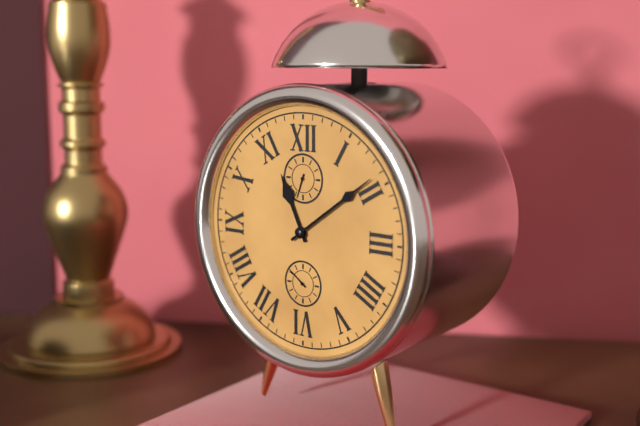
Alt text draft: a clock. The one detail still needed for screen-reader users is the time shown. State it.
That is 11:09
